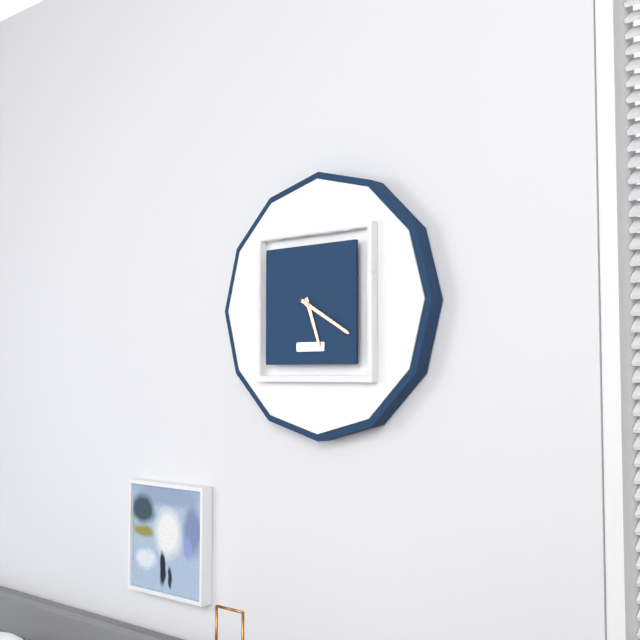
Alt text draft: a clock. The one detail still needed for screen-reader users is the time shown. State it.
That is 5:20
